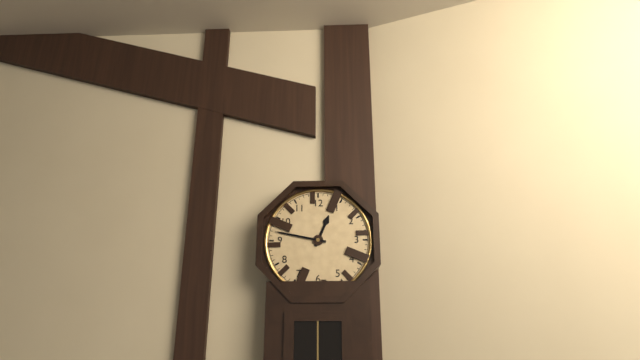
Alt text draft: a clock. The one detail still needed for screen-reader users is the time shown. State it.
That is 12:47
